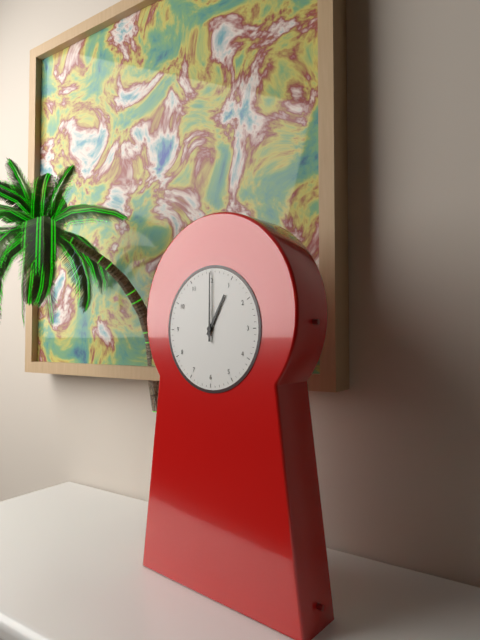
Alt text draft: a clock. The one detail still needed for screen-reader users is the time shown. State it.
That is 1:00
